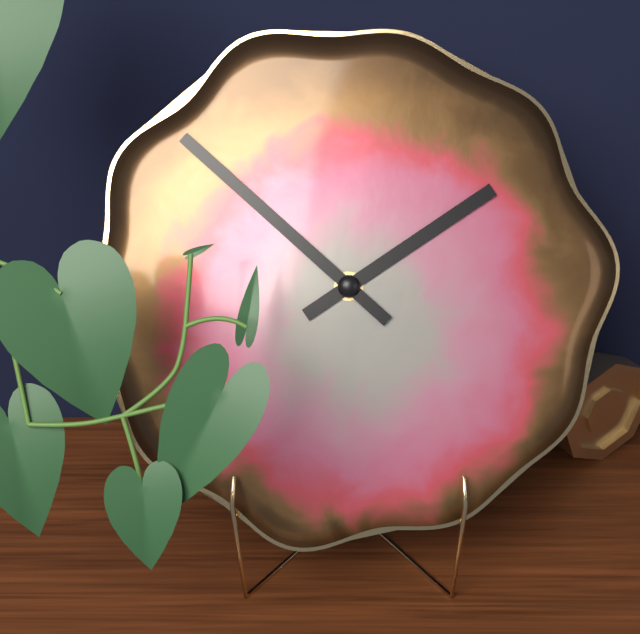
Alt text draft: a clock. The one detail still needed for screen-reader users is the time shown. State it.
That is 1:52
